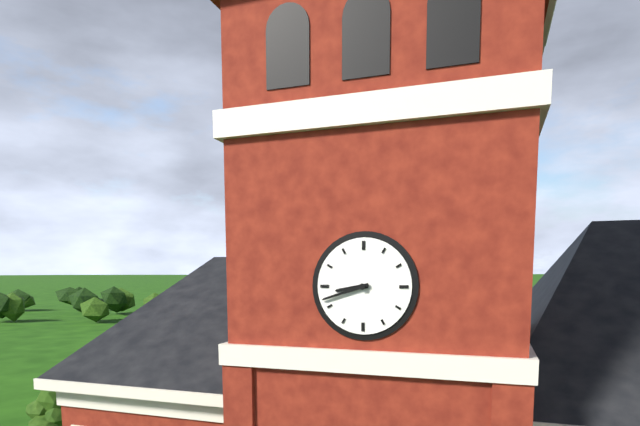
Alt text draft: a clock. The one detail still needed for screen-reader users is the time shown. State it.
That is 8:42
